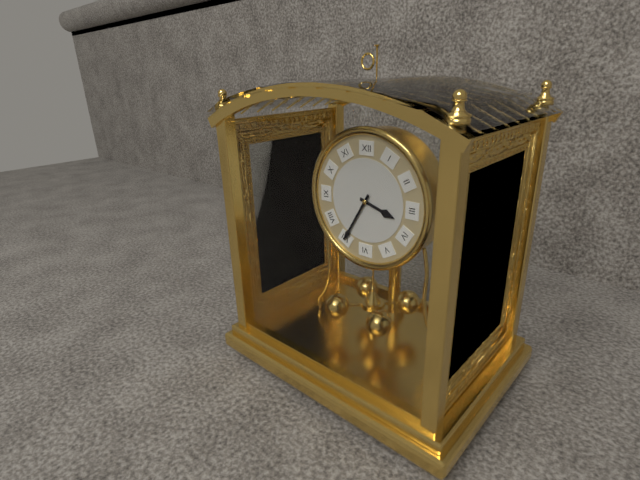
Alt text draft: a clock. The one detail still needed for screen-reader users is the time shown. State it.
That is 3:35
